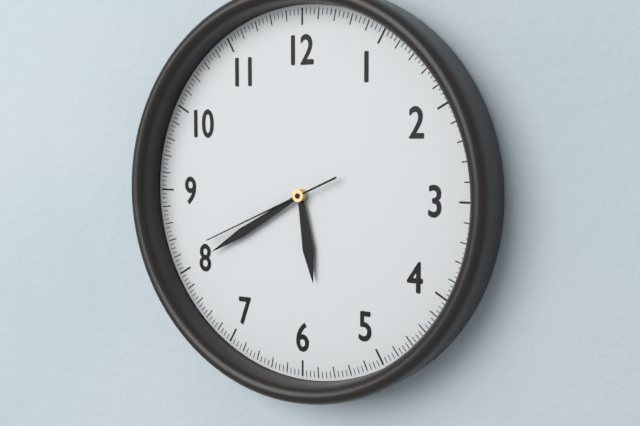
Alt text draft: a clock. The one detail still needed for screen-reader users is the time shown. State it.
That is 5:40:41
